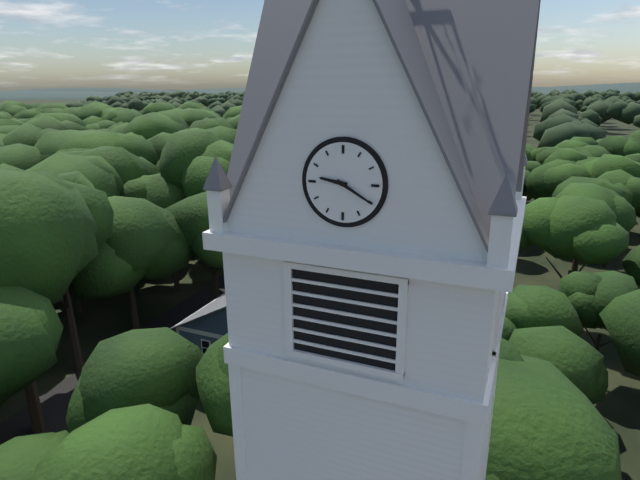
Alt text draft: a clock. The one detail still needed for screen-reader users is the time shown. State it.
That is 9:20
